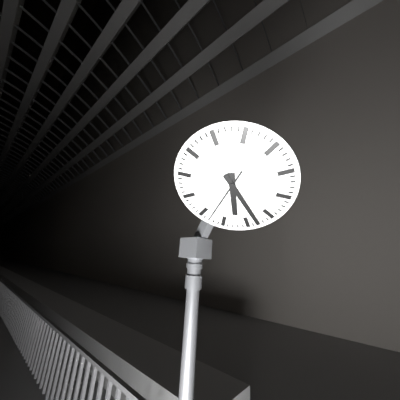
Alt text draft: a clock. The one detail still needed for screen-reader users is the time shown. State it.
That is 6:28:38
